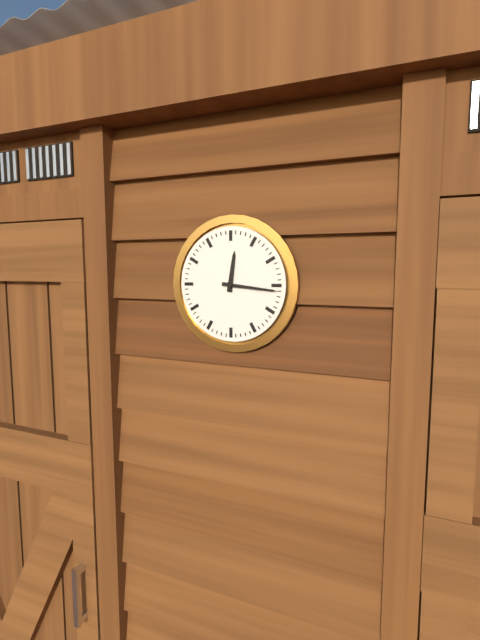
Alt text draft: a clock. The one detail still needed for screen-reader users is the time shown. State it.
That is 12:16
